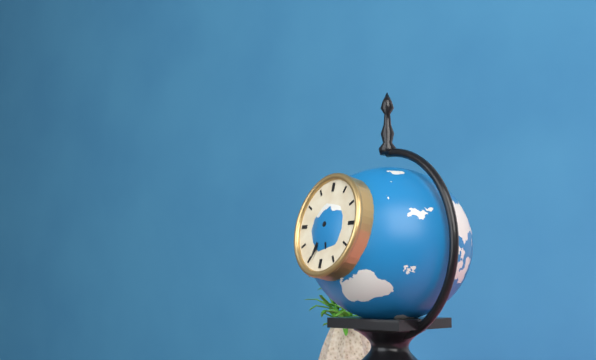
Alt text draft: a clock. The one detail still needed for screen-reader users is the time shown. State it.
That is 5:34
